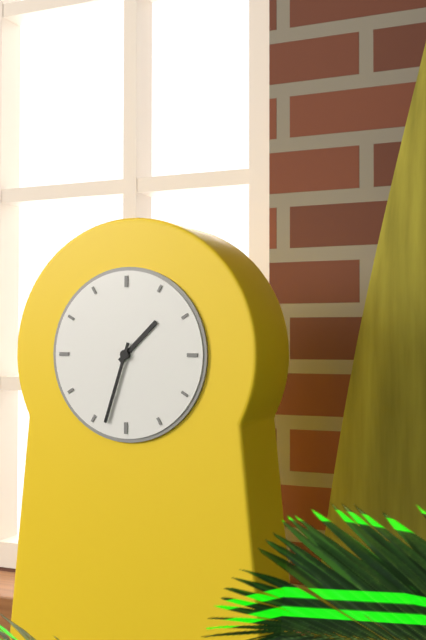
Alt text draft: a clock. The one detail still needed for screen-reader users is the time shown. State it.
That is 1:33
